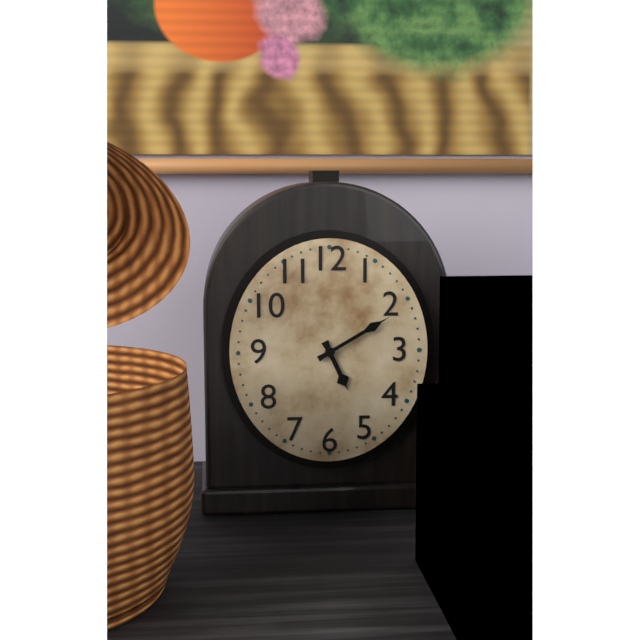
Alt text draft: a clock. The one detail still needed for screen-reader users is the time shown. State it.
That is 5:10
